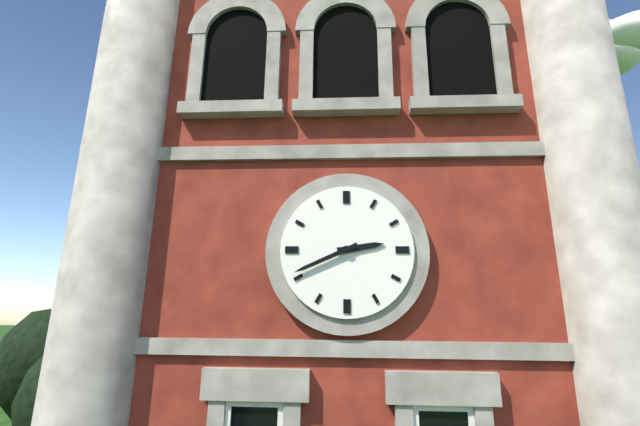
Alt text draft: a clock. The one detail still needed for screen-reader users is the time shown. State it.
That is 2:41
